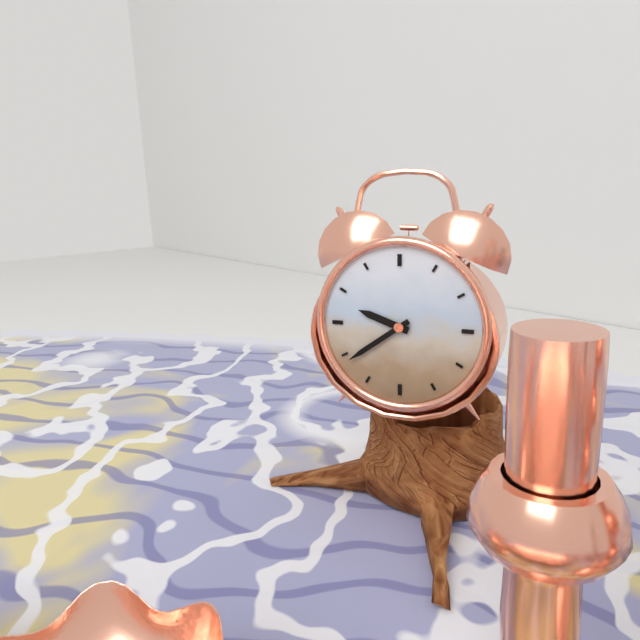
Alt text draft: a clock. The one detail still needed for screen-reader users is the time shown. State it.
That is 9:39
